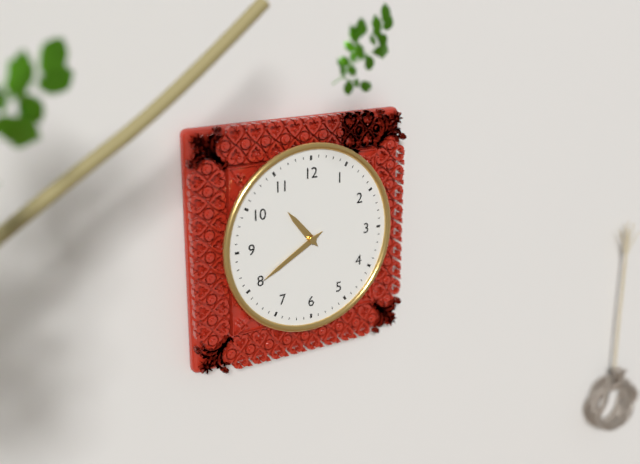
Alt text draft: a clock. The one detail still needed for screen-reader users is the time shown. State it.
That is 10:40
